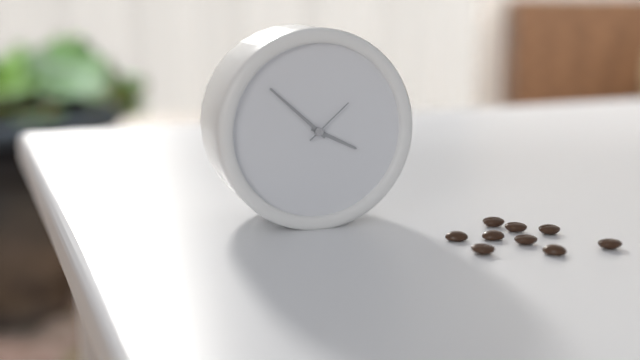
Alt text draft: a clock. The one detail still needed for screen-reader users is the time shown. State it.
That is 3:52:08
